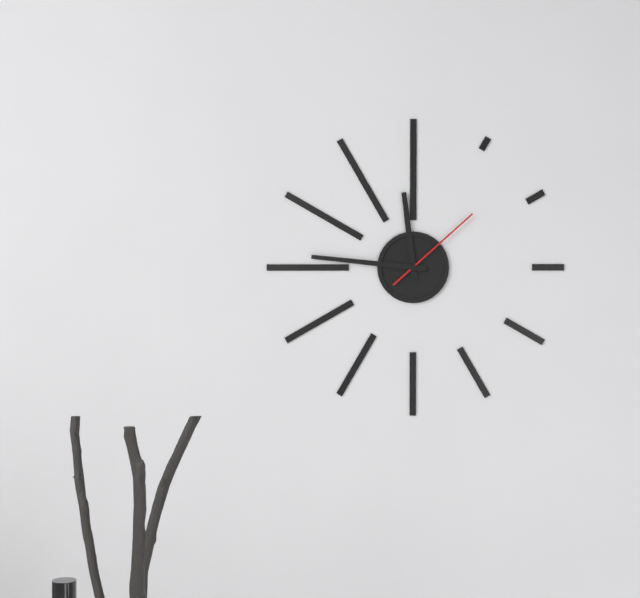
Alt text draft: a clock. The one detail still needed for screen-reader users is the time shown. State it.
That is 11:46:08
